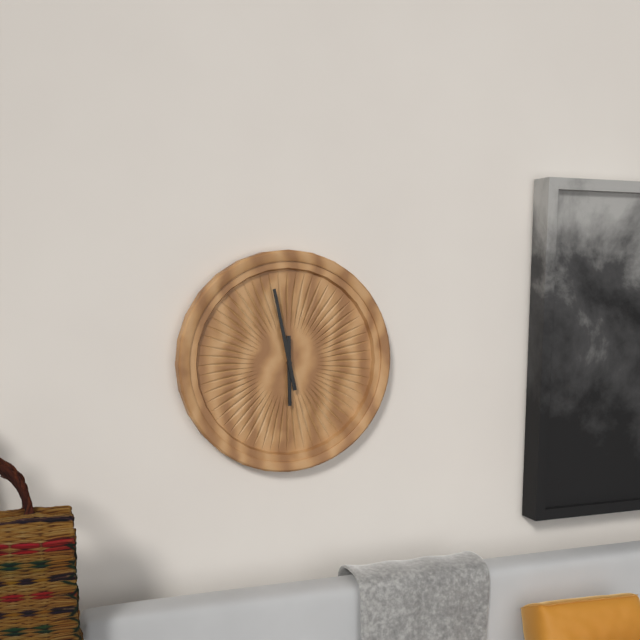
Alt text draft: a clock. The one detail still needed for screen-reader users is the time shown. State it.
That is 5:58
